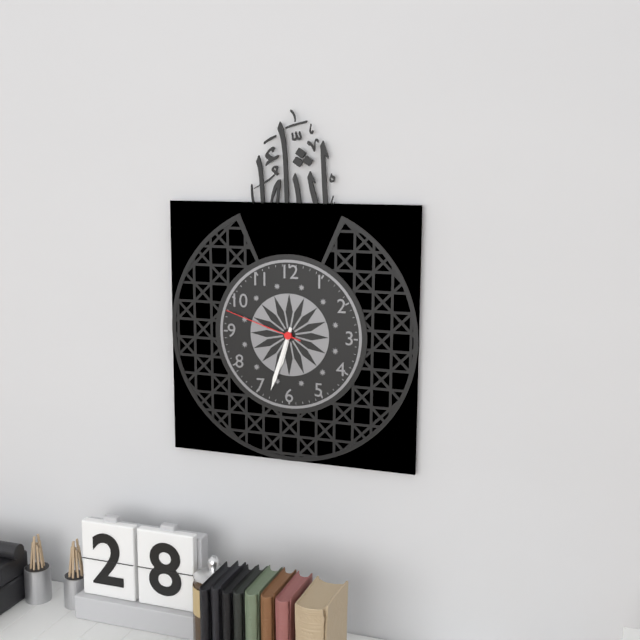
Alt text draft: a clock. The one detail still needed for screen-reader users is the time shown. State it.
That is 6:33:48
